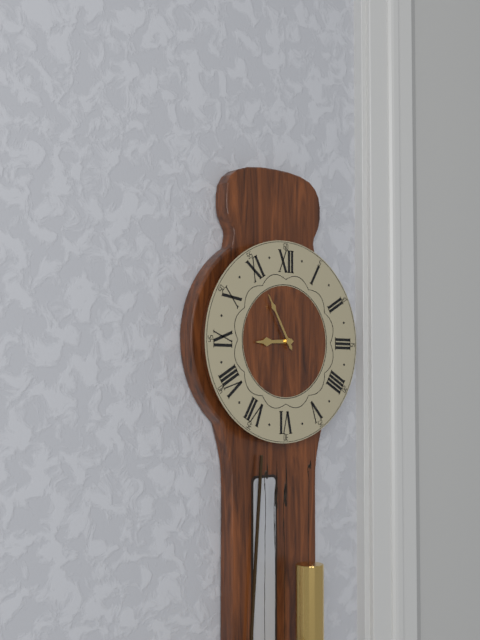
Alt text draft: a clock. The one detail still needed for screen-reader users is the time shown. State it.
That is 8:55
